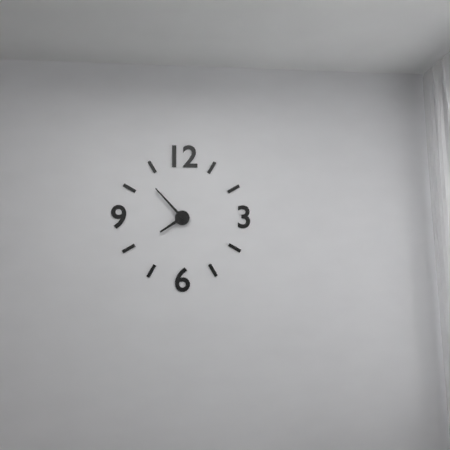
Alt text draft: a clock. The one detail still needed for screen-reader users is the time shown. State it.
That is 7:53
